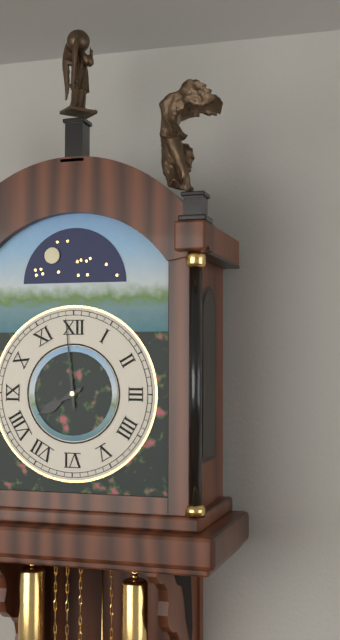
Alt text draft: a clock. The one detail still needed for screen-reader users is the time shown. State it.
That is 7:59
